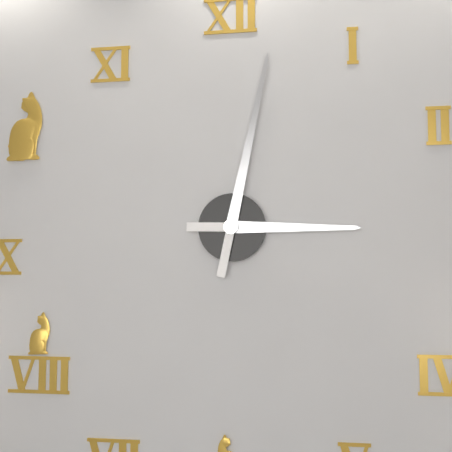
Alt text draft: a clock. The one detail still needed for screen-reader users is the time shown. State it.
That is 3:02
